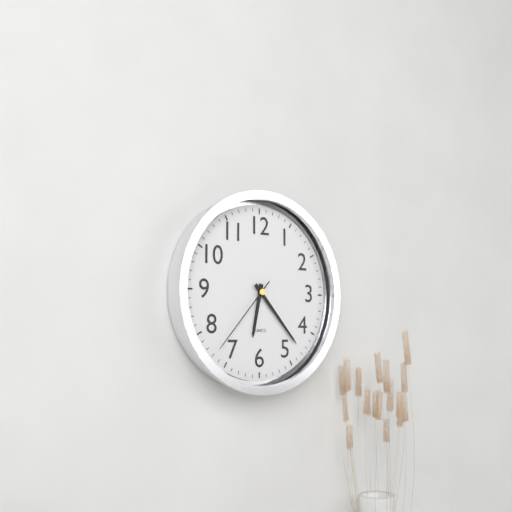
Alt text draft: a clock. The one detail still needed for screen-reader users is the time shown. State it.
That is 6:23:37
